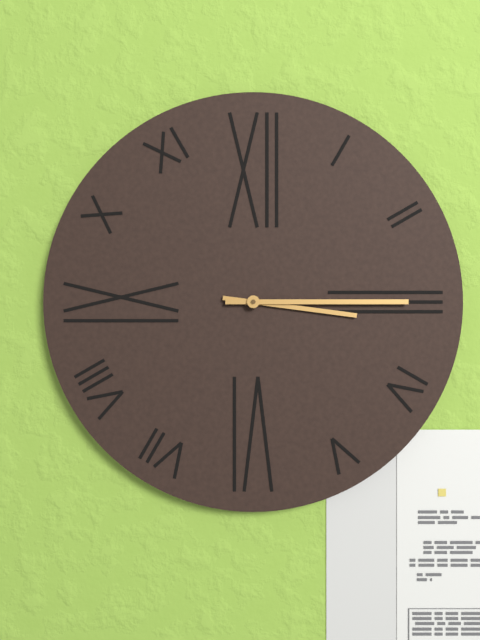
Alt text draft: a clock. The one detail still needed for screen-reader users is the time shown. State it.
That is 3:15
